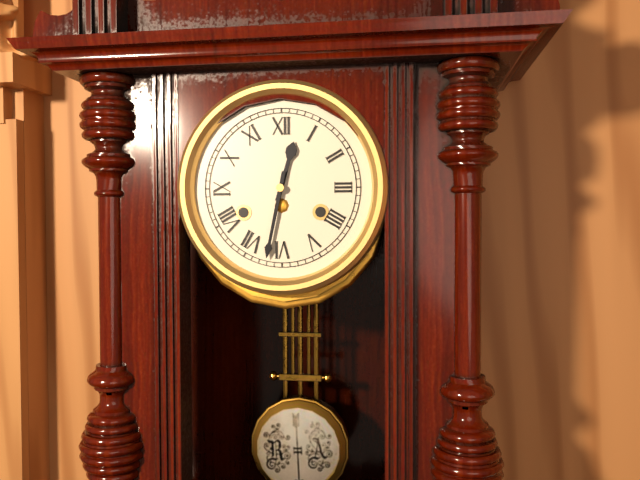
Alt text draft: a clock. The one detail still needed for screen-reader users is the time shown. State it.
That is 12:32
